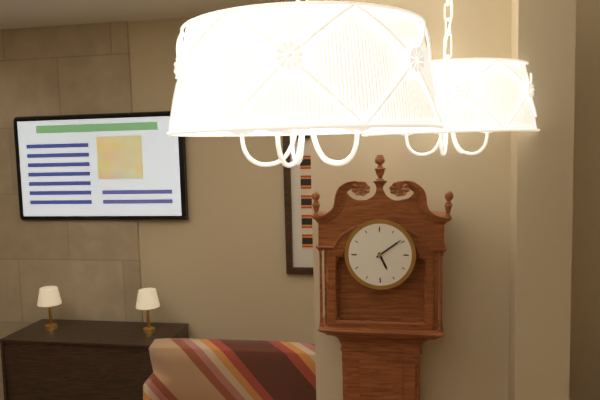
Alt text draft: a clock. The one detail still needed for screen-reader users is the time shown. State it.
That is 5:09
